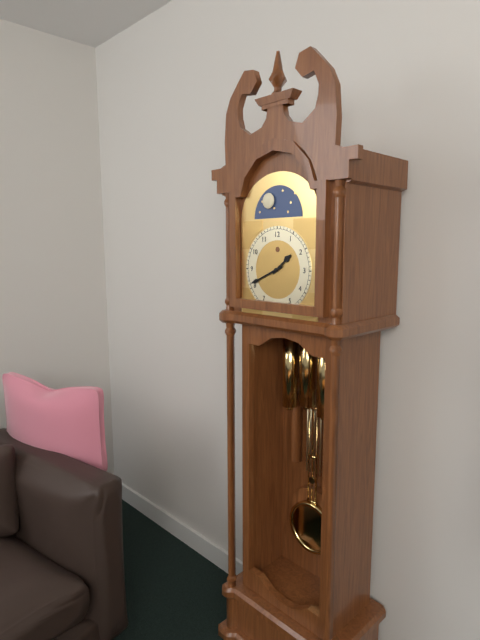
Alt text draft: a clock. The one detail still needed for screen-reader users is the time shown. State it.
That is 1:41
